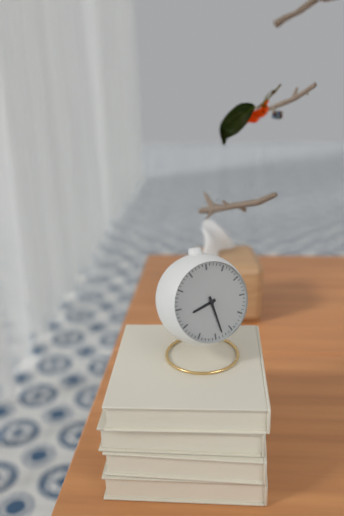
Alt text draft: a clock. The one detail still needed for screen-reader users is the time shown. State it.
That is 8:28
